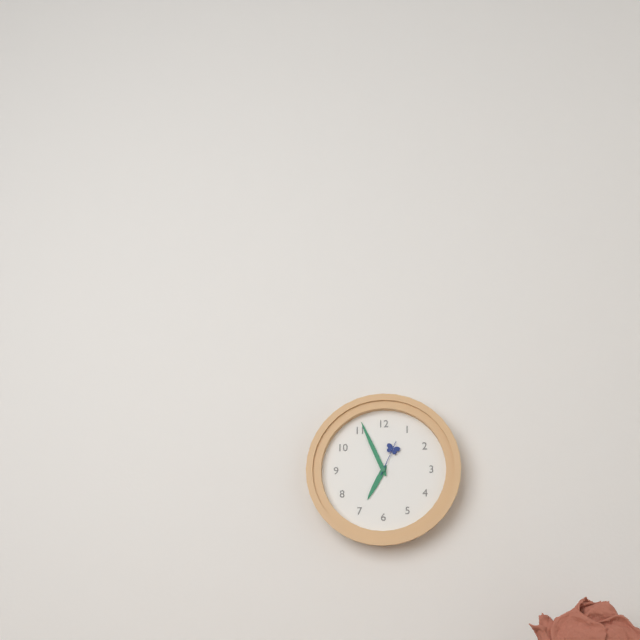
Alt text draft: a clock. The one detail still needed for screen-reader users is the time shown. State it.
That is 6:56
